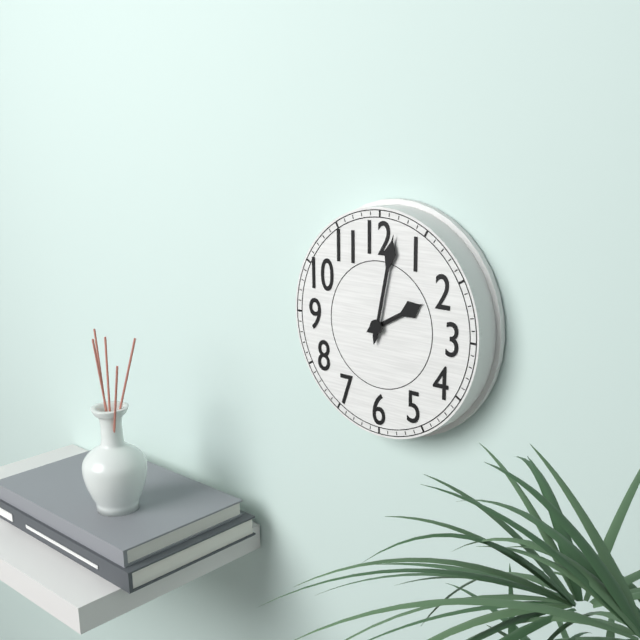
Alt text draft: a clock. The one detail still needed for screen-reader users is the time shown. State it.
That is 2:02
